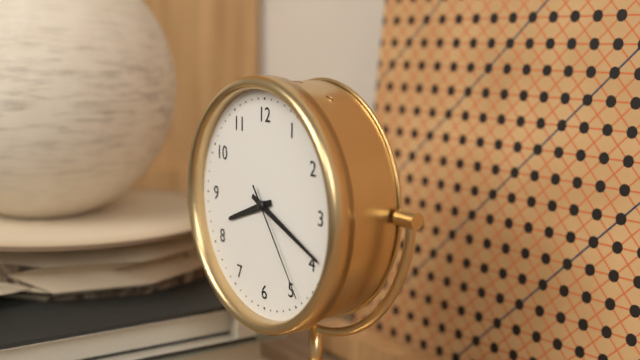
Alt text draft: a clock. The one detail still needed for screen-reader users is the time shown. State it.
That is 8:19:24
